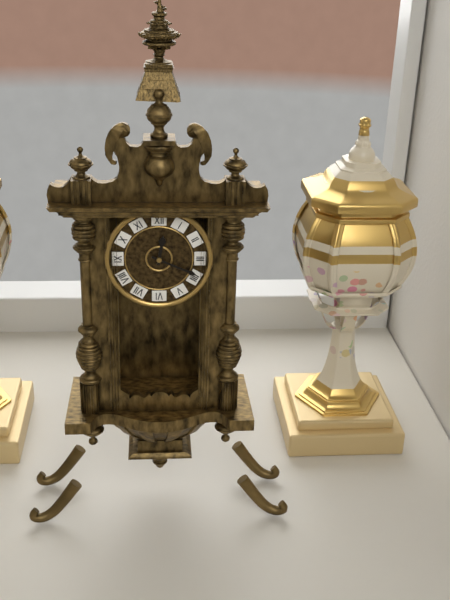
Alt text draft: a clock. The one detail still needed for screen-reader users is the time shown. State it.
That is 12:19
